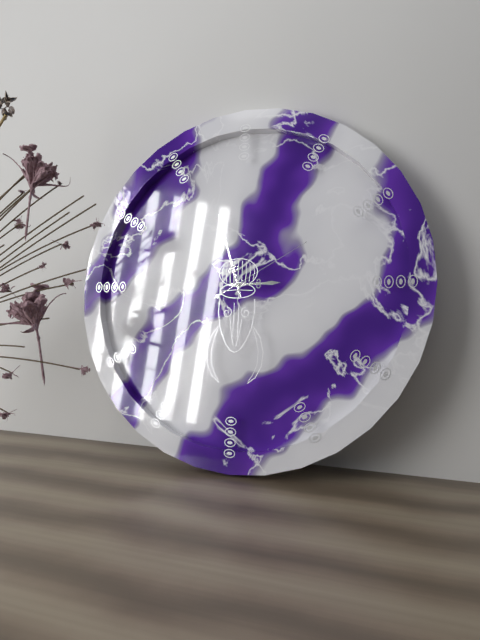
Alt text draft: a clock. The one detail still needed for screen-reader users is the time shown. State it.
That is 2:57:10
